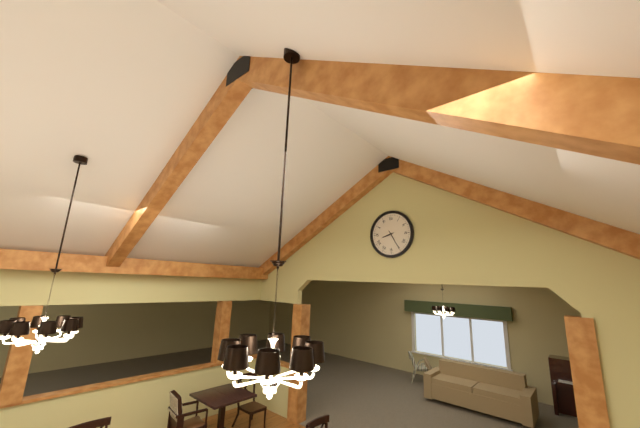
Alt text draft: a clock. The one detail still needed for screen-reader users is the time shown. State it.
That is 8:25
